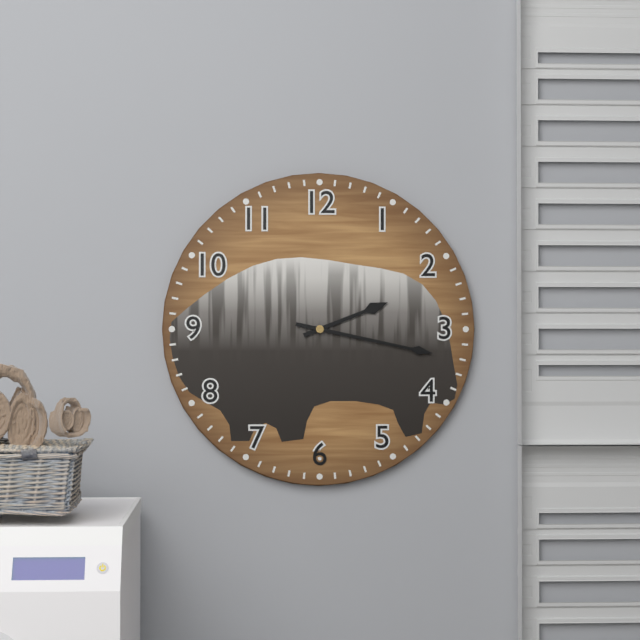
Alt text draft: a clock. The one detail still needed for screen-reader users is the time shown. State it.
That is 2:17
